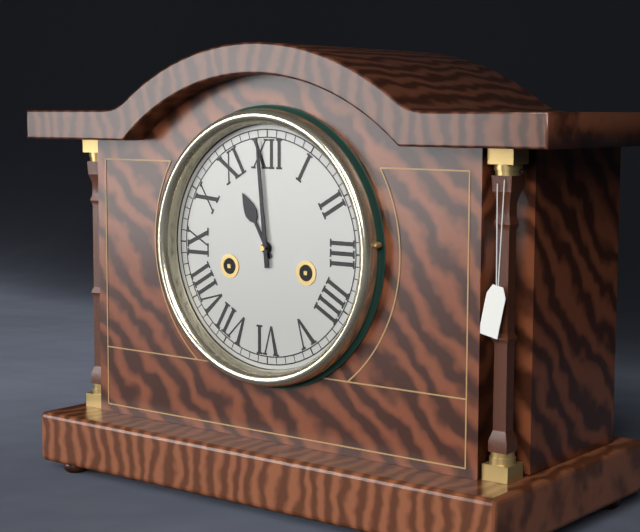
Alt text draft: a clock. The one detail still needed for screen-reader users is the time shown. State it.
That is 10:59
